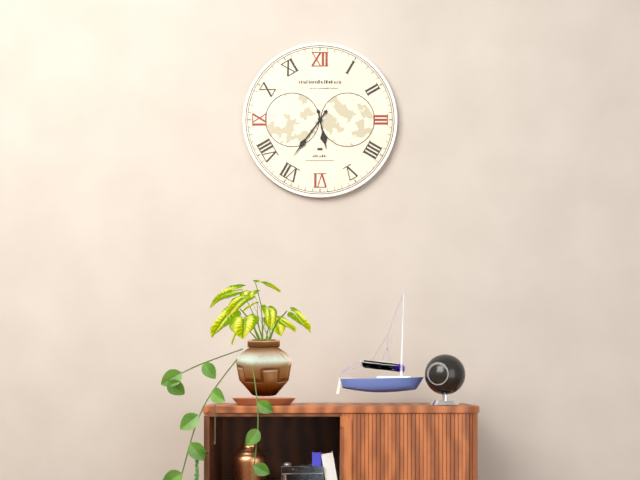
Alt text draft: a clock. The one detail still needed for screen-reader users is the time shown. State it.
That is 5:36
